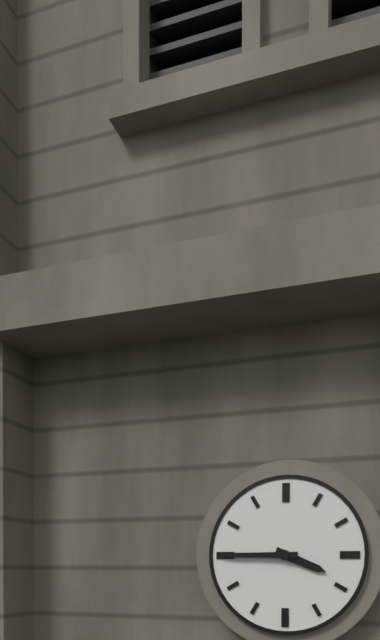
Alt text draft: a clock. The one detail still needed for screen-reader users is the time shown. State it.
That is 3:45
